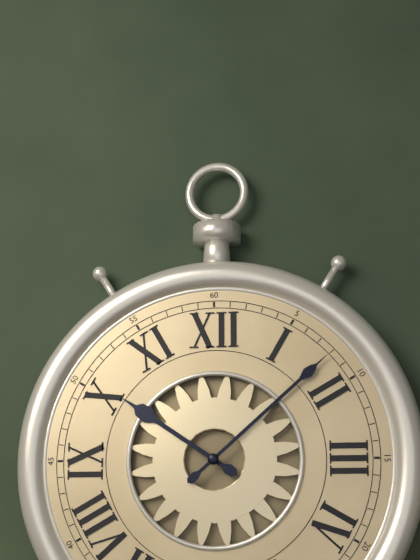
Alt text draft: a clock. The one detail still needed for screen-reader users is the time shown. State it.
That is 10:08
